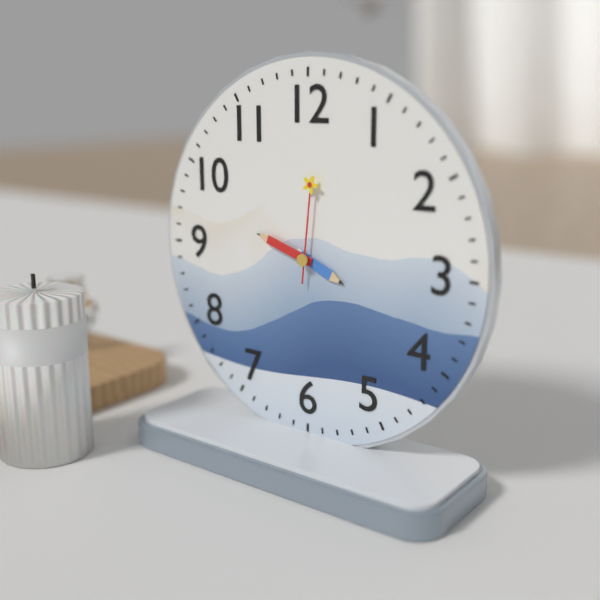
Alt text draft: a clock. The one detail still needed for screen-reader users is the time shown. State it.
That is 3:48:01
